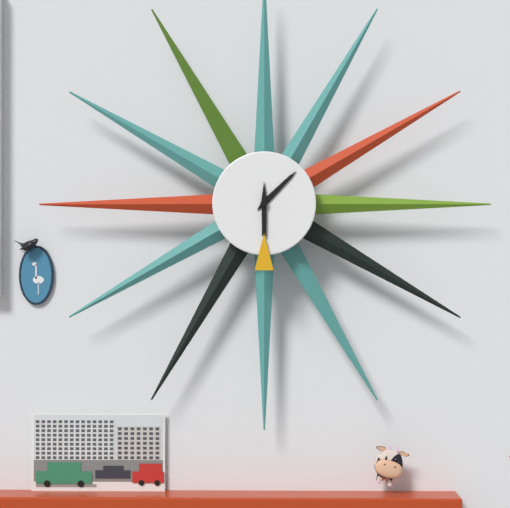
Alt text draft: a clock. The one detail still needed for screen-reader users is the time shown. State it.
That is 1:30
